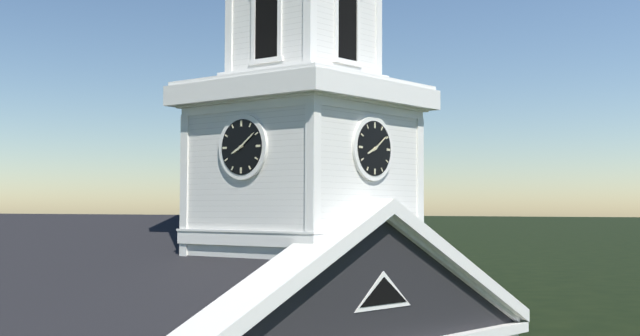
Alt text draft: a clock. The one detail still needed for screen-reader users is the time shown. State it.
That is 8:09
